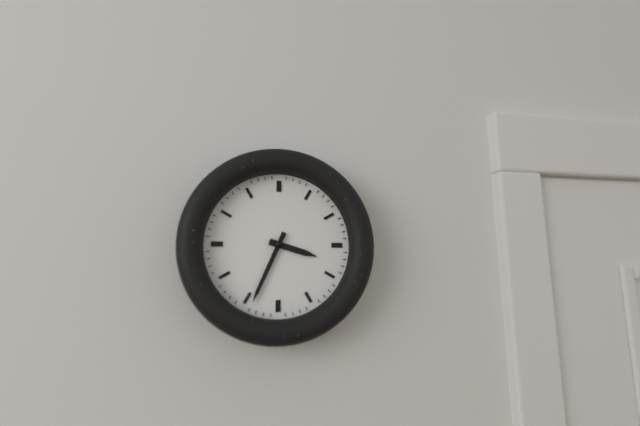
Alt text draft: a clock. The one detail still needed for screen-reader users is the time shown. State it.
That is 3:34
